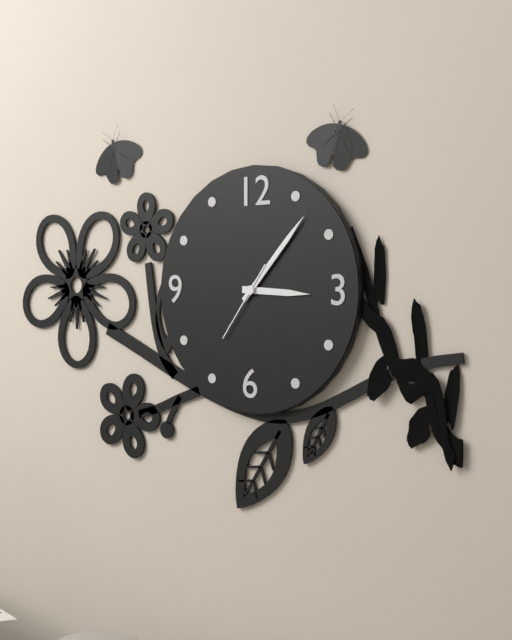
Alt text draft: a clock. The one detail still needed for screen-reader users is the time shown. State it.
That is 3:07:36
